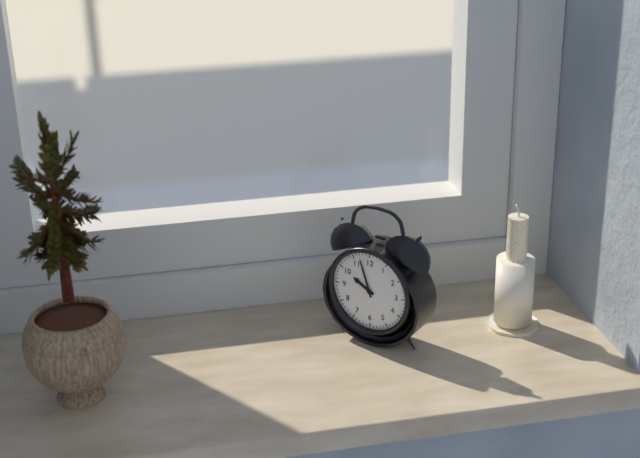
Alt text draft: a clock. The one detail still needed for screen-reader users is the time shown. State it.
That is 9:57
